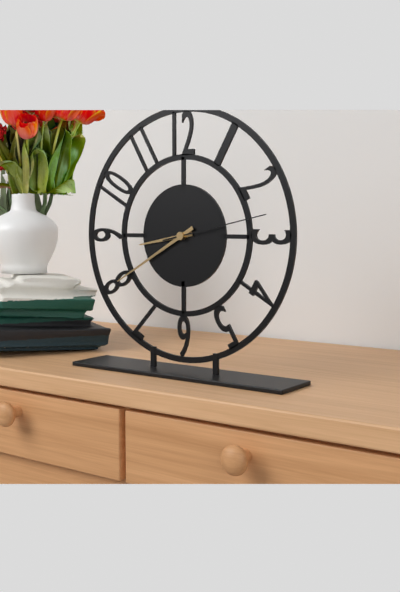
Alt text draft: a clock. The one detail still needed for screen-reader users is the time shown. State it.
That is 8:40:13
